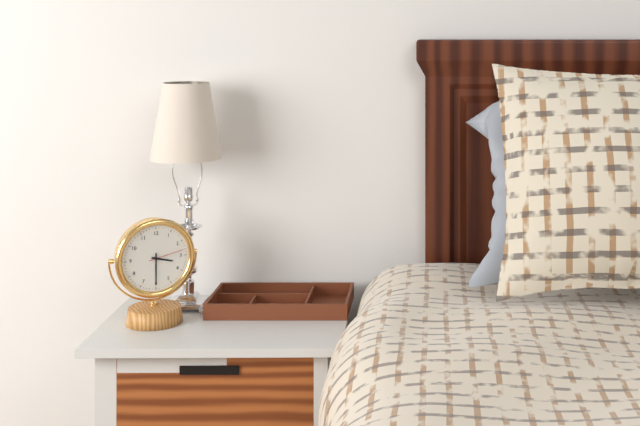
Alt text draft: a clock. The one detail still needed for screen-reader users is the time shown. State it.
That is 3:30
